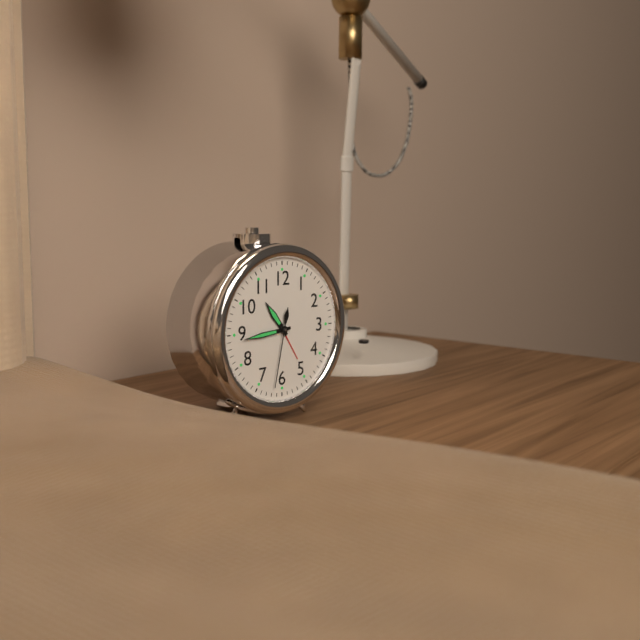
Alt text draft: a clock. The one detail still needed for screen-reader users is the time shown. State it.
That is 10:44:32
